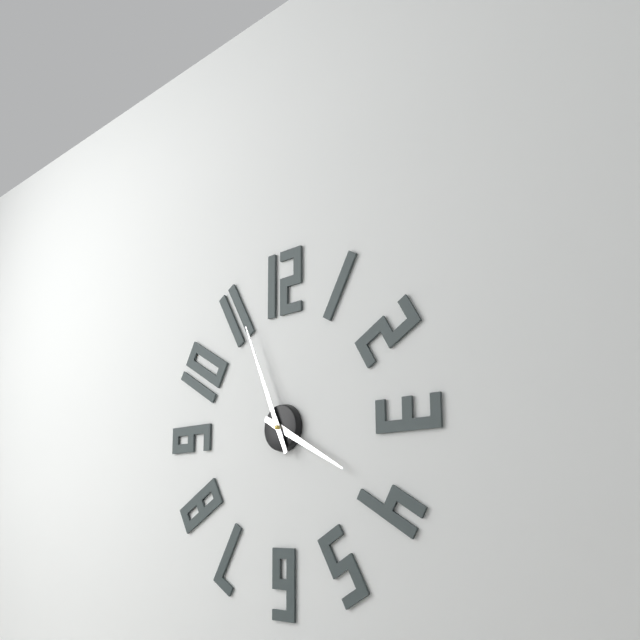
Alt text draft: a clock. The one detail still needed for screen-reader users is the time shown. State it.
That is 3:56
